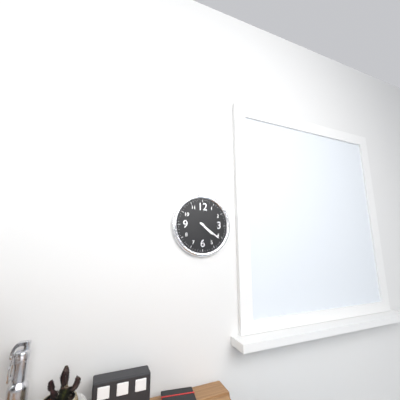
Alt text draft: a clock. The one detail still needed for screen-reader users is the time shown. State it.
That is 4:21
